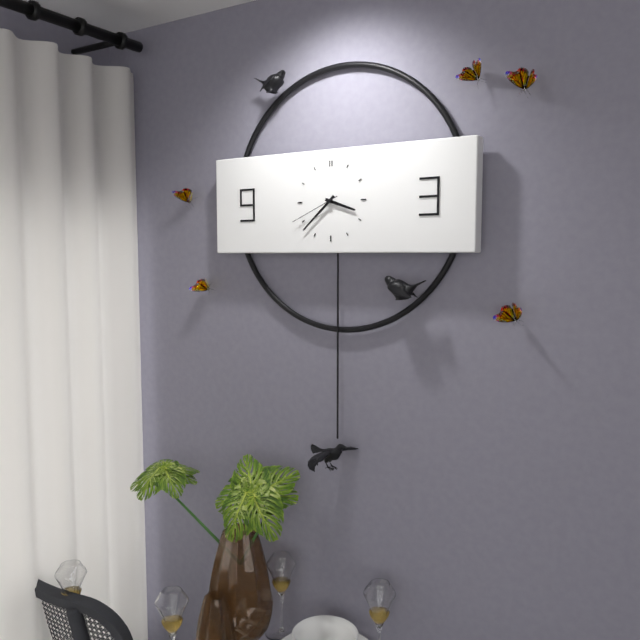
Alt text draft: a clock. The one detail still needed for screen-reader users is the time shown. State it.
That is 3:38:41
